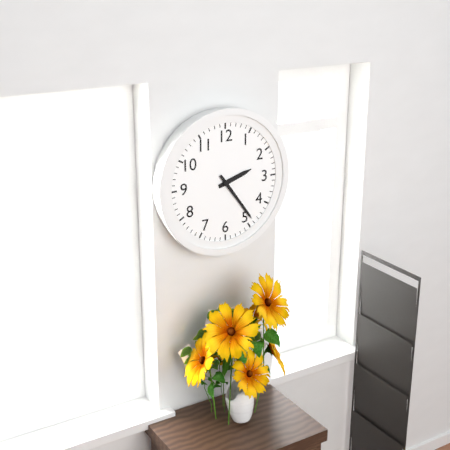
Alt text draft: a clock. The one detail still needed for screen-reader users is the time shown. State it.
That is 2:24
